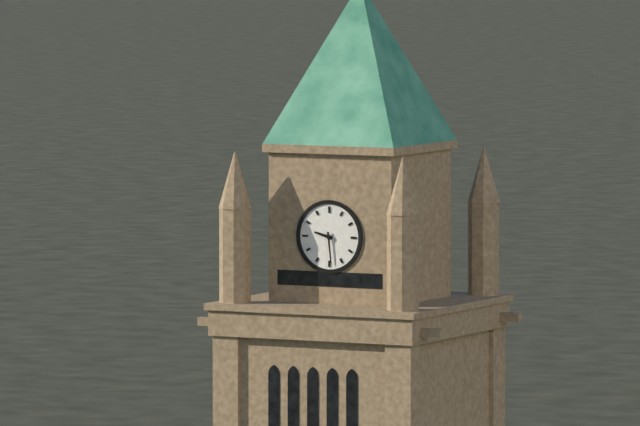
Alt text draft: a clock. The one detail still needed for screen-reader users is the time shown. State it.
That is 9:29
